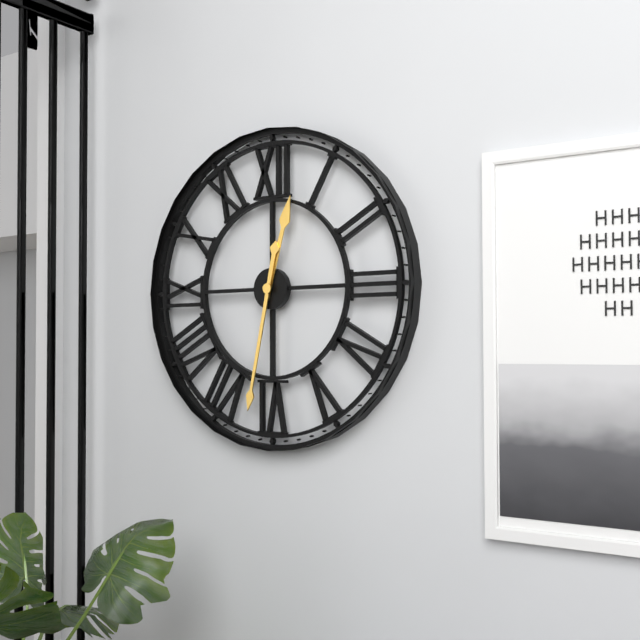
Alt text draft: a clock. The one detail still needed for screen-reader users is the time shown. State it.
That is 12:32
